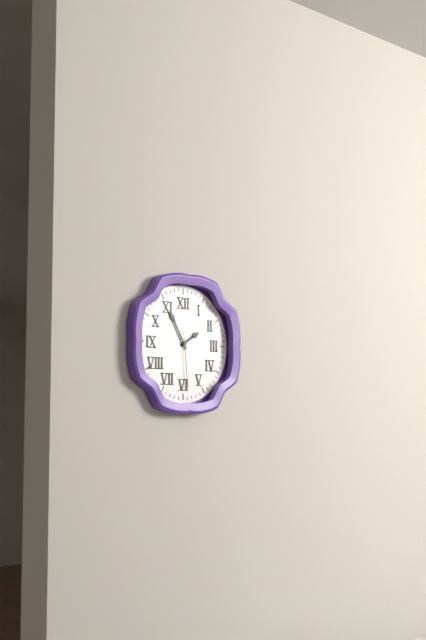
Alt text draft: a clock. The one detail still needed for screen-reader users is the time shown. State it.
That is 1:55:29
